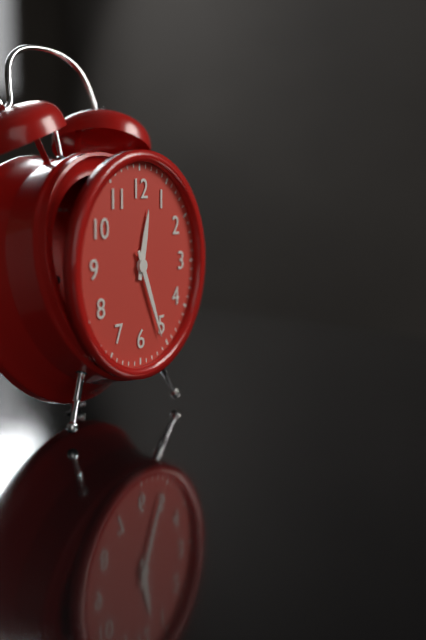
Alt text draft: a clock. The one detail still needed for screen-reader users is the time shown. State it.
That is 12:26
